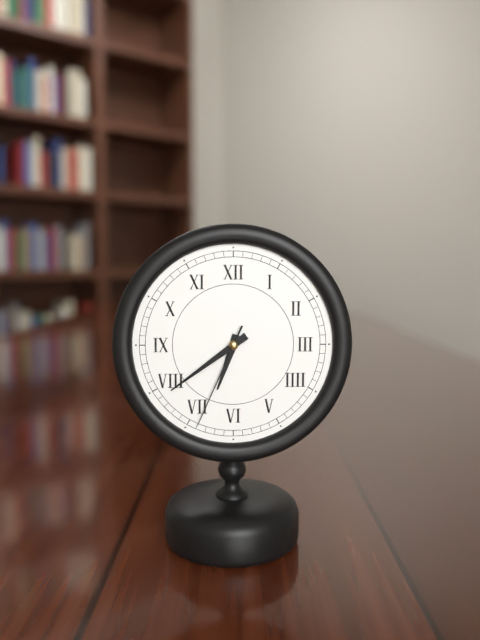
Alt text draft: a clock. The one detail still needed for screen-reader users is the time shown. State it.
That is 6:39:34
